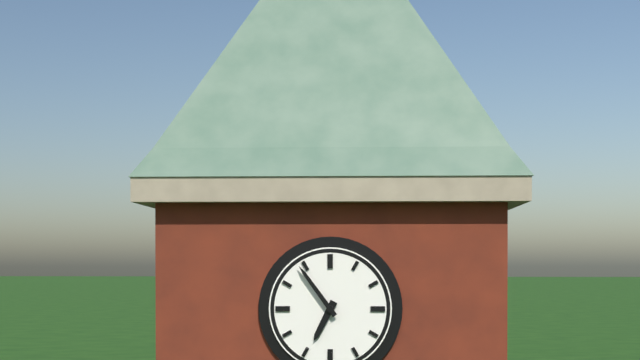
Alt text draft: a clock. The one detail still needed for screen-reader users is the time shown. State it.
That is 6:54
